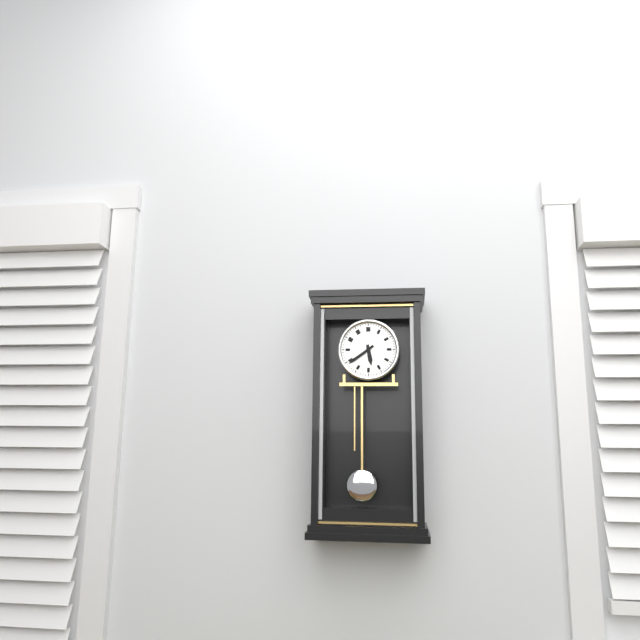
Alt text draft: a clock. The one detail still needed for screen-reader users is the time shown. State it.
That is 5:39
